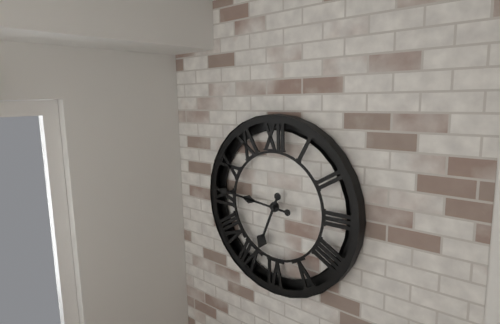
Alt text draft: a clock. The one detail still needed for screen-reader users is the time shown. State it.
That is 6:46
